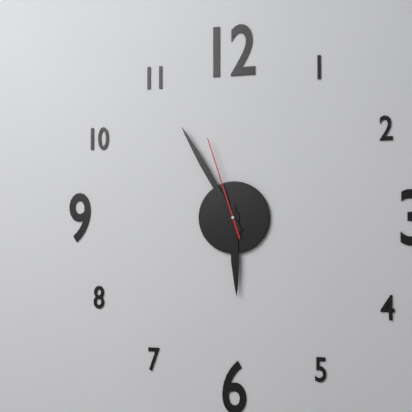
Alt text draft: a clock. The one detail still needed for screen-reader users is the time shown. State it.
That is 5:55:57
